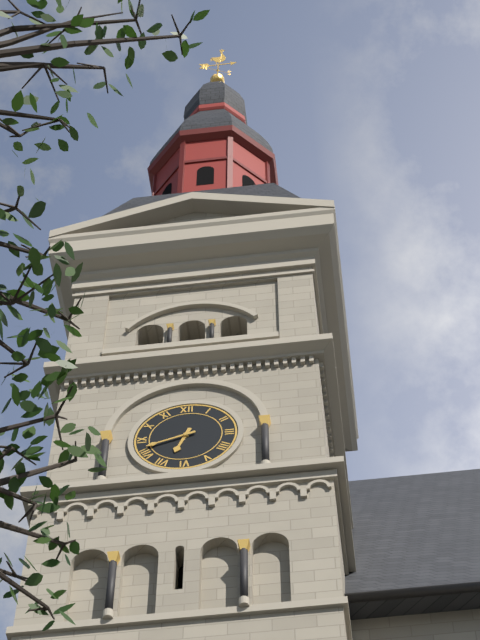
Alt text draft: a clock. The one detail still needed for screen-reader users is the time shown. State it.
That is 6:42
